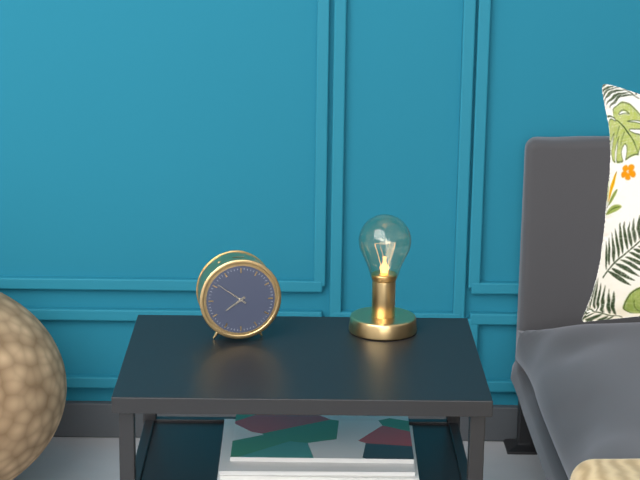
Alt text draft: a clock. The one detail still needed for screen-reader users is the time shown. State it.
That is 7:51
